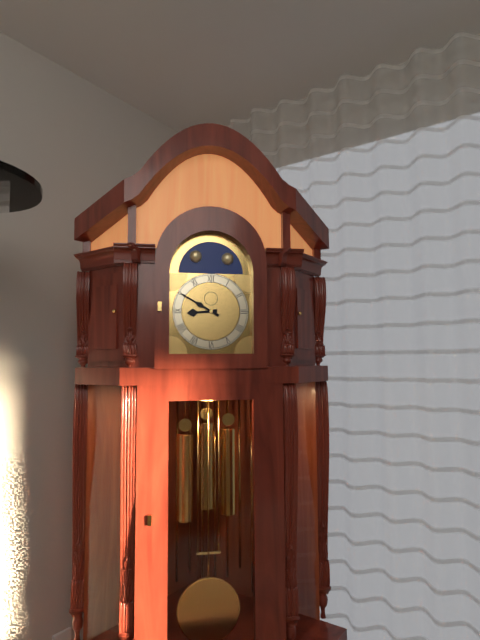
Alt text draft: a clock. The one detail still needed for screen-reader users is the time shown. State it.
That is 8:50
